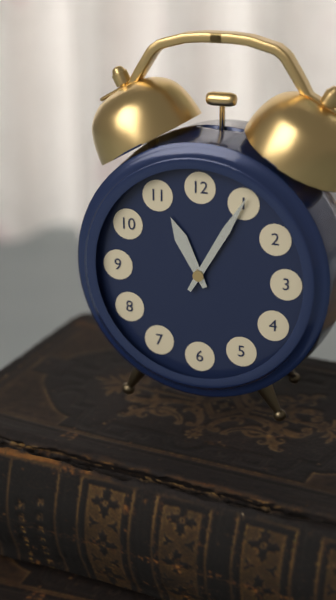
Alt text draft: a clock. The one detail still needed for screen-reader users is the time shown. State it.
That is 11:05
